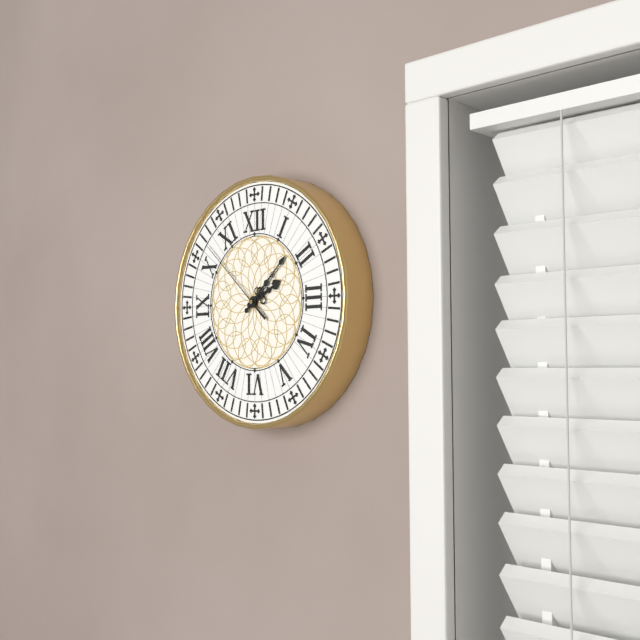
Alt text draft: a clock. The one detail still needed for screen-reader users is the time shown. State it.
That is 2:08:52
